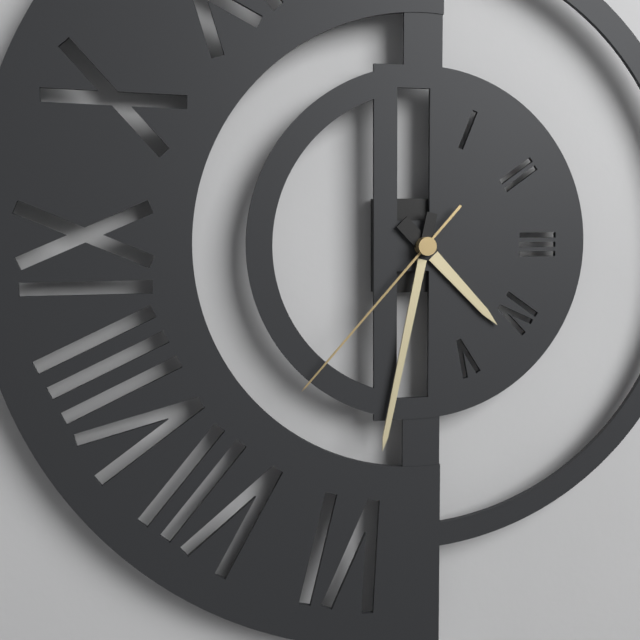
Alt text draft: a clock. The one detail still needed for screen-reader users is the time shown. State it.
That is 4:32:37
